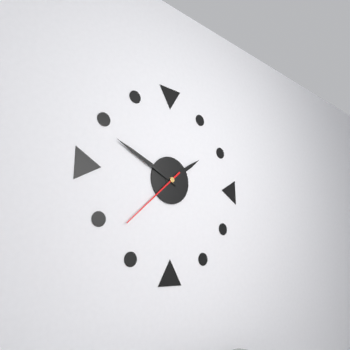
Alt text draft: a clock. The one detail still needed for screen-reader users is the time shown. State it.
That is 1:49:38
